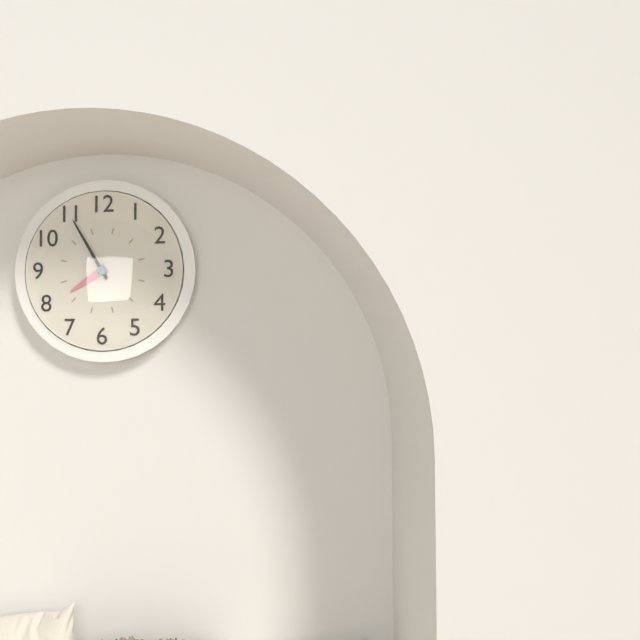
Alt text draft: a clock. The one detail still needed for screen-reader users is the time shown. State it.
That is 7:55
